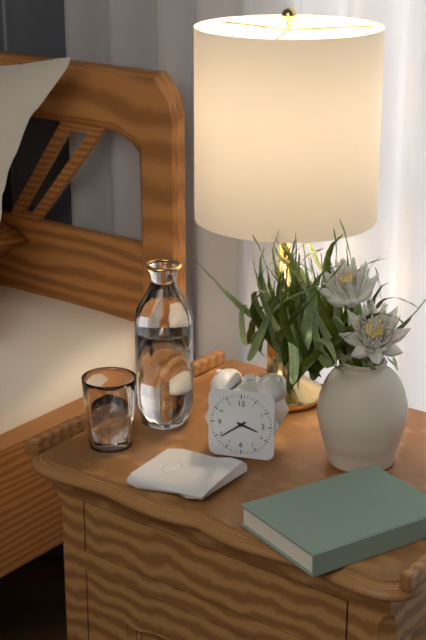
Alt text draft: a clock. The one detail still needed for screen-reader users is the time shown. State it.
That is 3:39
